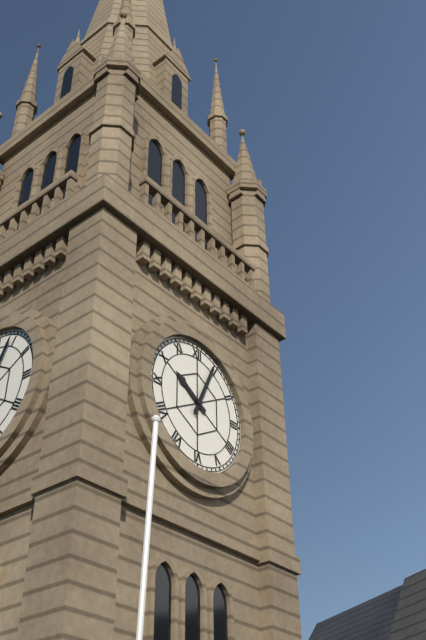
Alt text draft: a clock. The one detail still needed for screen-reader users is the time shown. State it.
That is 10:04
